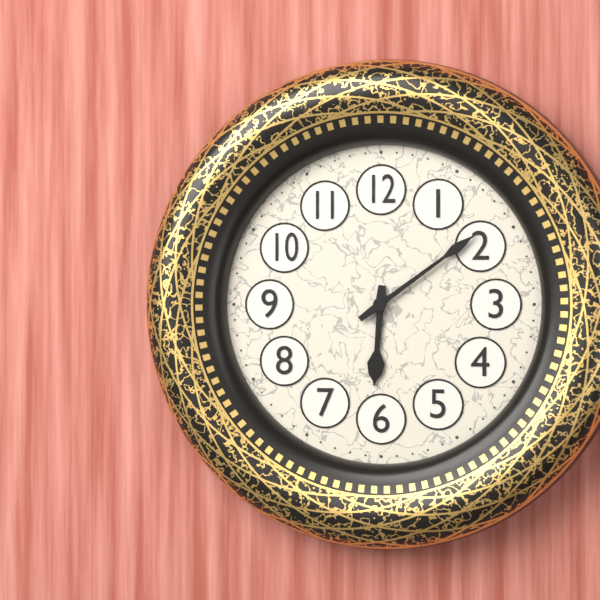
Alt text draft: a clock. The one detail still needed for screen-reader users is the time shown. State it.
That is 6:09
